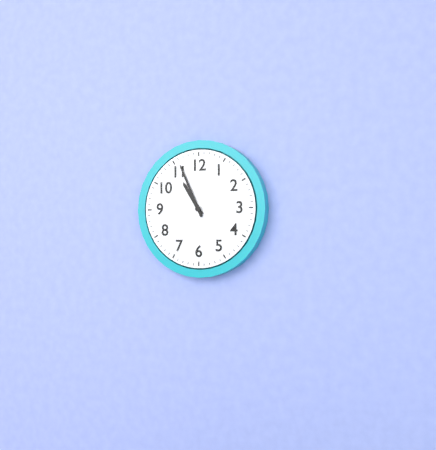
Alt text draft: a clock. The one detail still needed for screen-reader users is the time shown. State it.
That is 10:56
